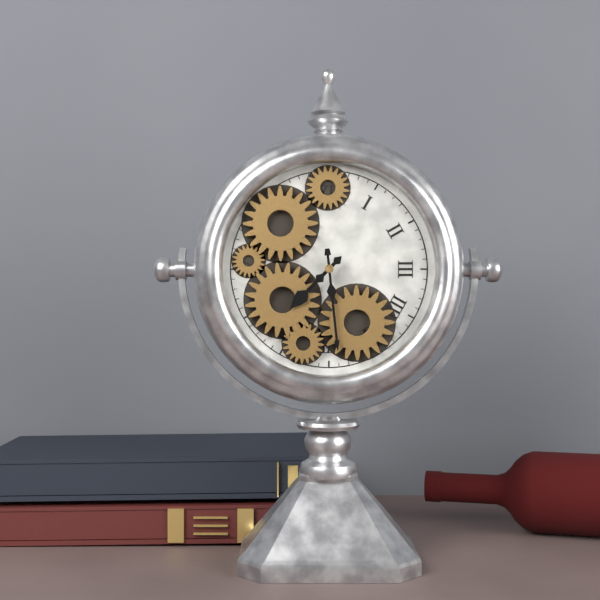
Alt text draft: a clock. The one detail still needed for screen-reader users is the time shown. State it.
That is 7:29
